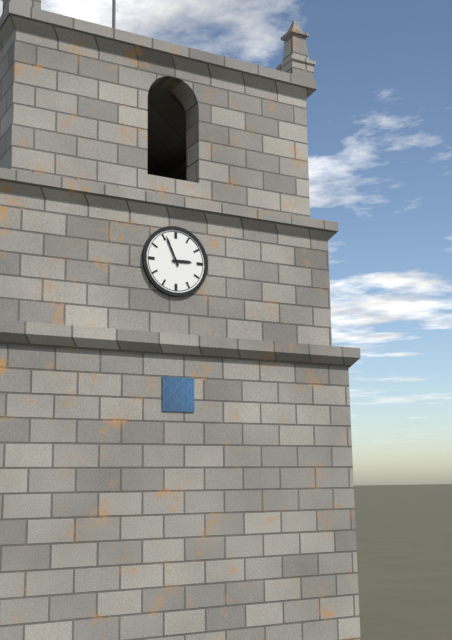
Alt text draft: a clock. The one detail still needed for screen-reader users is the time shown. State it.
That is 2:56
